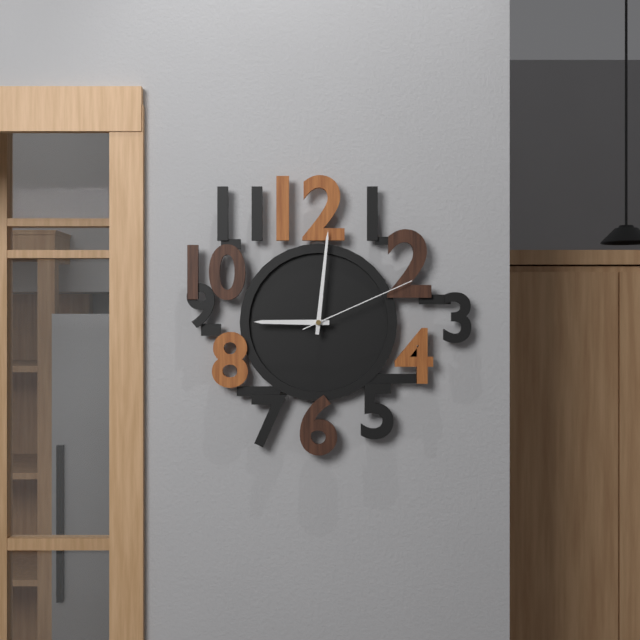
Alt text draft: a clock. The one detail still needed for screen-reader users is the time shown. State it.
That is 9:01:11
